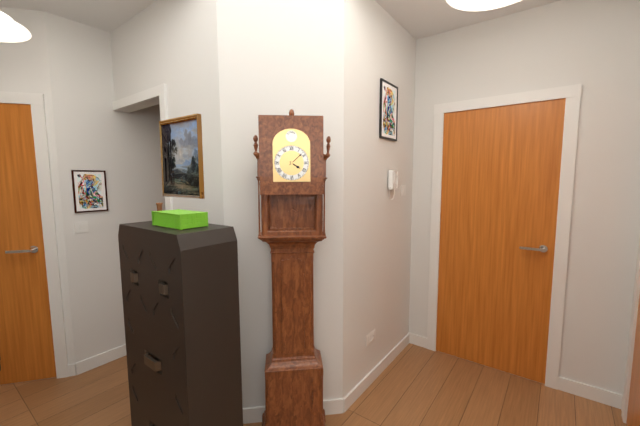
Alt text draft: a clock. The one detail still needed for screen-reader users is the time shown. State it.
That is 4:08
